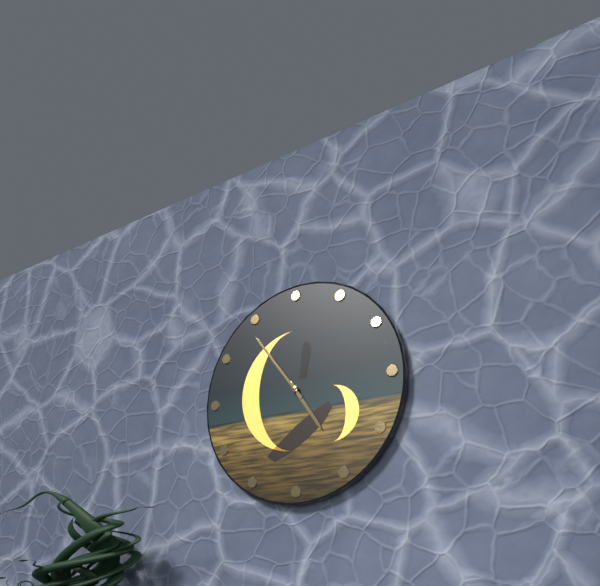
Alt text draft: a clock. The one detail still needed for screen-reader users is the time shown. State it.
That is 4:54
